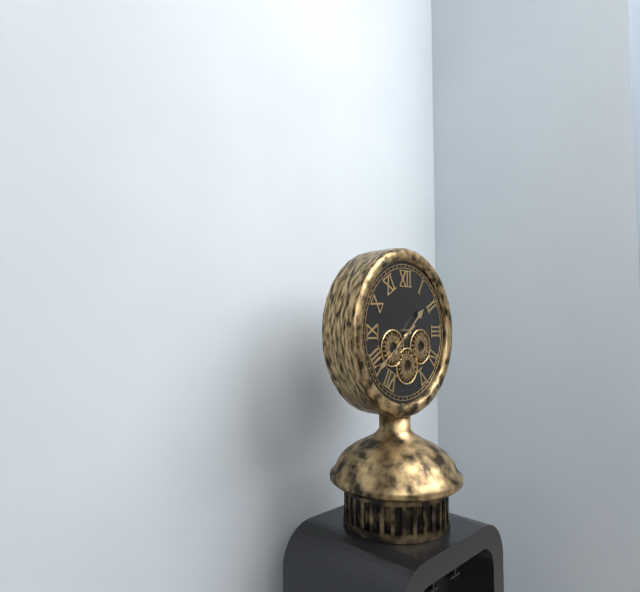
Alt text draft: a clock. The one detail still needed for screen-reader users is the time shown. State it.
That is 1:39
